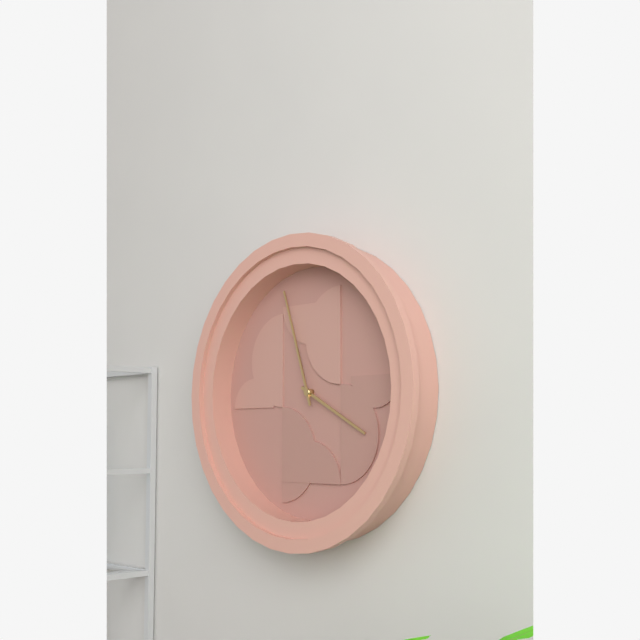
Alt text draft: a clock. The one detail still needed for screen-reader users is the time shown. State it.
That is 3:57
